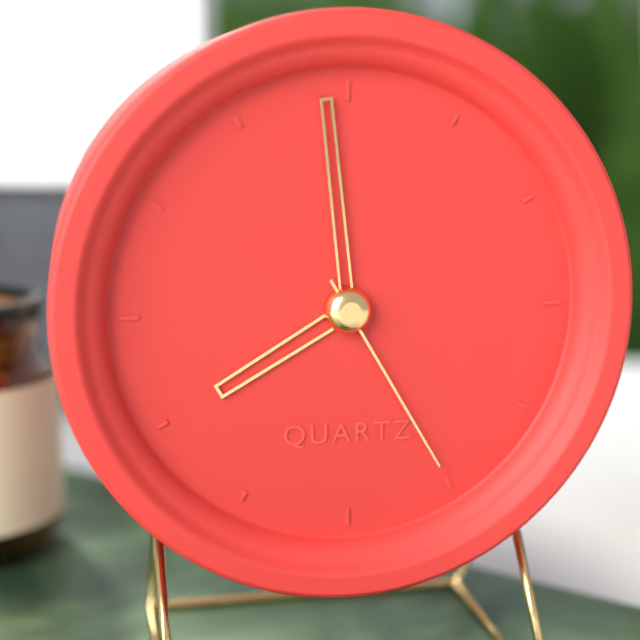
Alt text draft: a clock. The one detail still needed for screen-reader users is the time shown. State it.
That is 7:59:25
